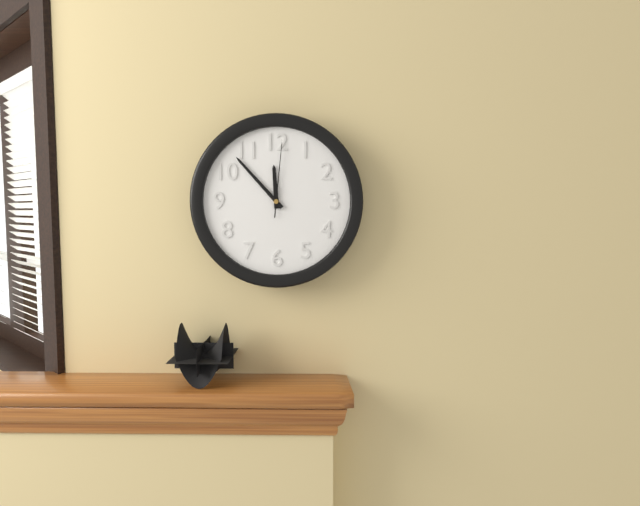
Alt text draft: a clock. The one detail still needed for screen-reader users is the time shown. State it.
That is 11:53:01
